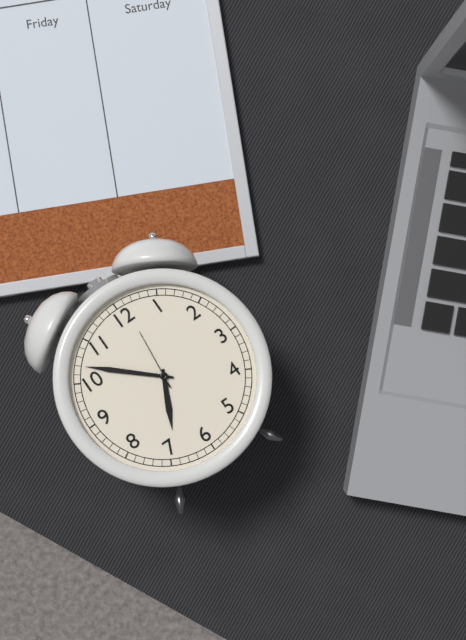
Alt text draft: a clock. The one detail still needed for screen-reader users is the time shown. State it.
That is 6:52:01
